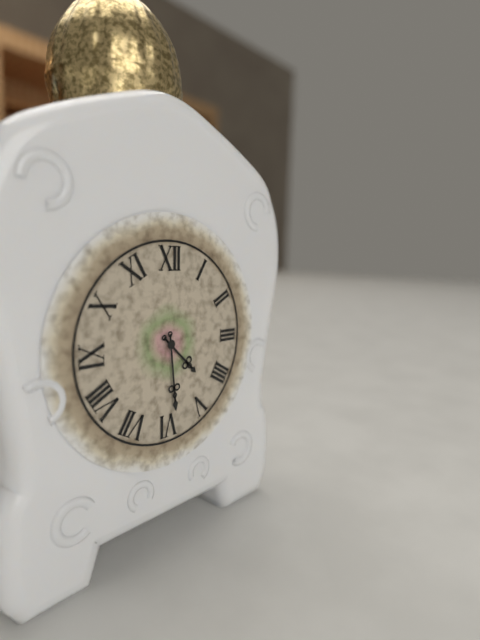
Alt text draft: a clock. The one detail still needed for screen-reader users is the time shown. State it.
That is 4:29
